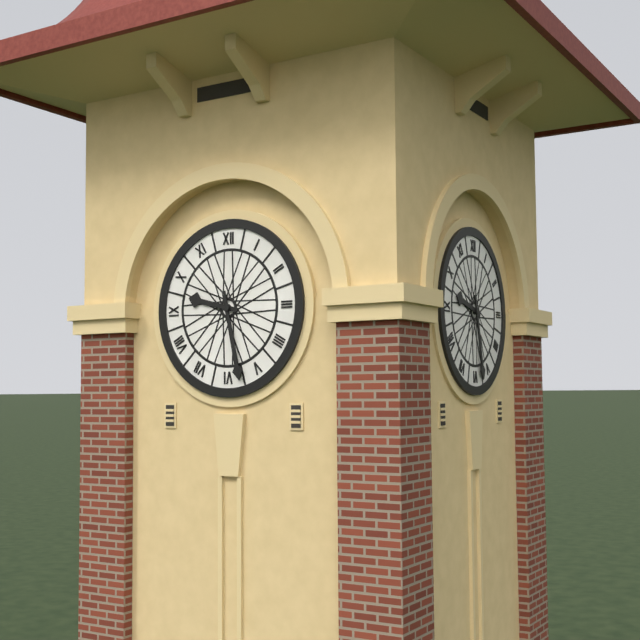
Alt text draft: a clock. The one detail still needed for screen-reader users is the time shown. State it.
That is 9:28
